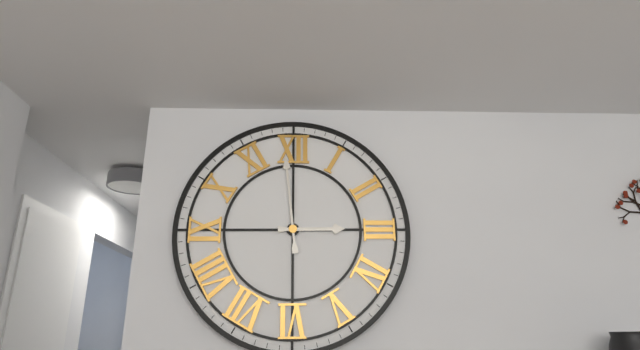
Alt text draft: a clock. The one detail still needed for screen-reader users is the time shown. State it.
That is 2:59
